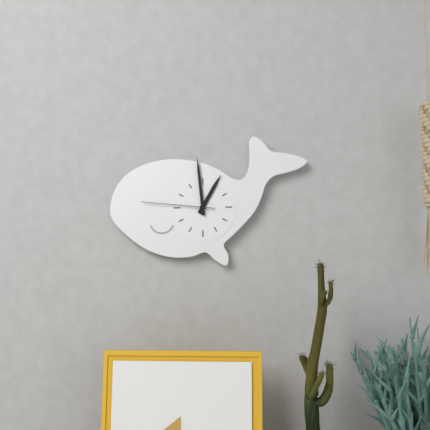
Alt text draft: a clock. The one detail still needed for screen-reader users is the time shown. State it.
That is 12:59:46
